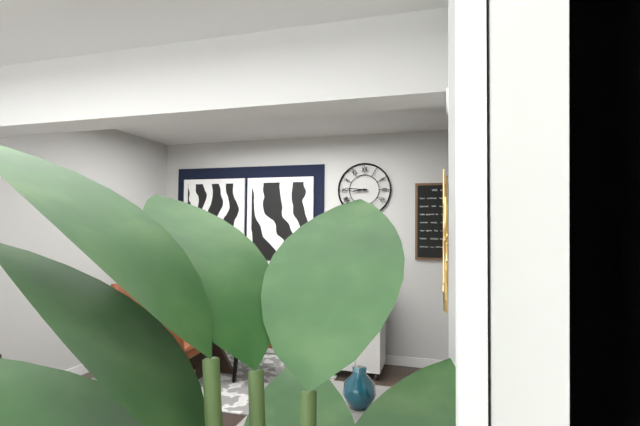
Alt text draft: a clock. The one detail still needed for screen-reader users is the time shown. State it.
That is 8:46
